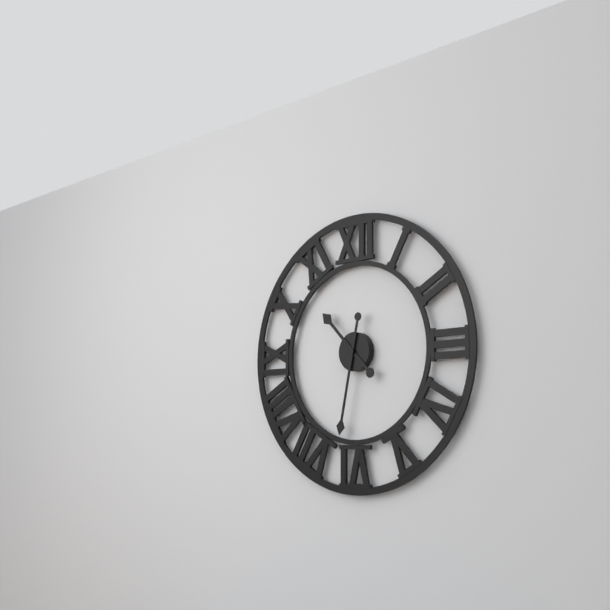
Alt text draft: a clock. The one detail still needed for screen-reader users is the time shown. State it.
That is 10:32
